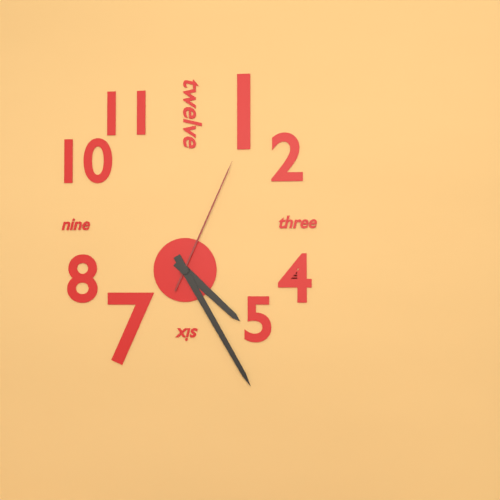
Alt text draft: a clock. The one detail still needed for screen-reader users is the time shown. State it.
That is 4:25:04
